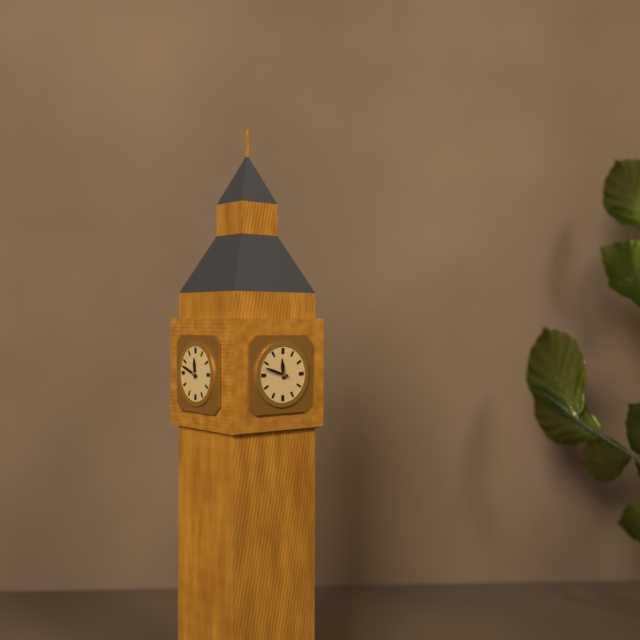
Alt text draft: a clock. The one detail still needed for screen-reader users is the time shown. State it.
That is 11:48
